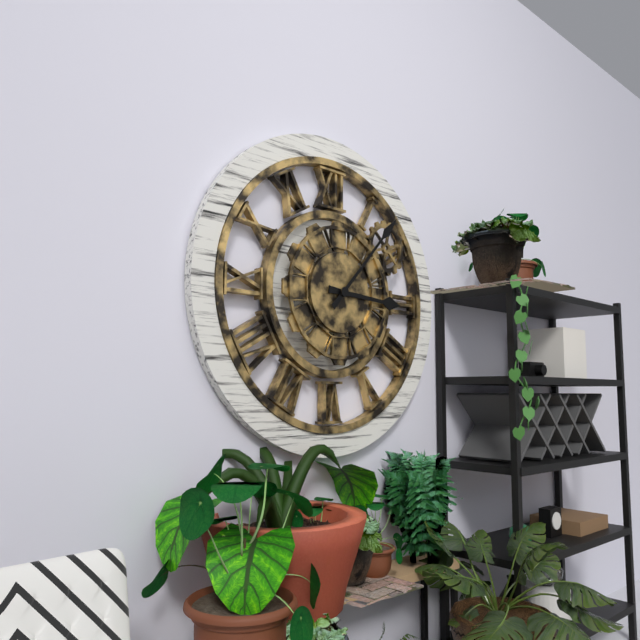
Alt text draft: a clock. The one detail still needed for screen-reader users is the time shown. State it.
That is 3:07
